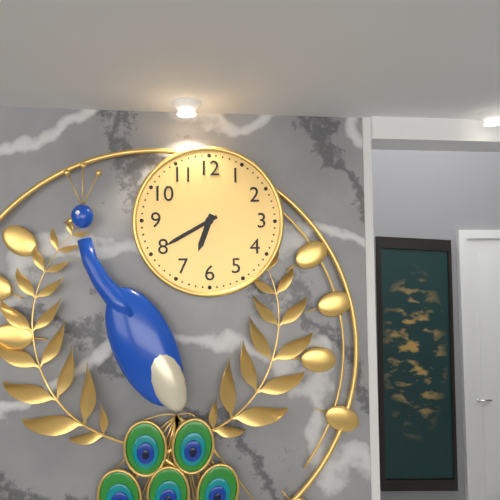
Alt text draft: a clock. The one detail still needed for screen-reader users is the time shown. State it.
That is 6:40
